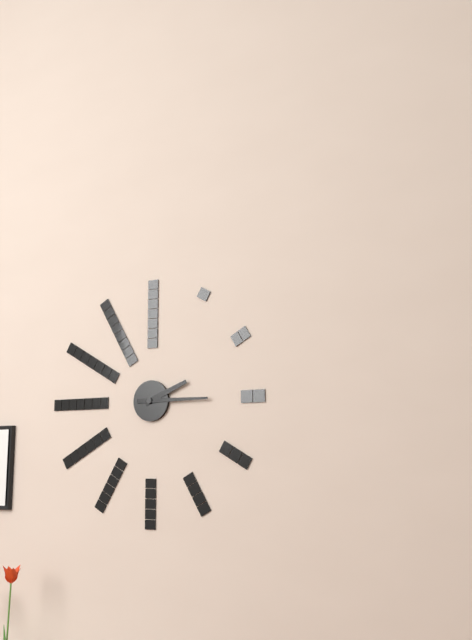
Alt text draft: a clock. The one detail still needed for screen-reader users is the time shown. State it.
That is 2:15
